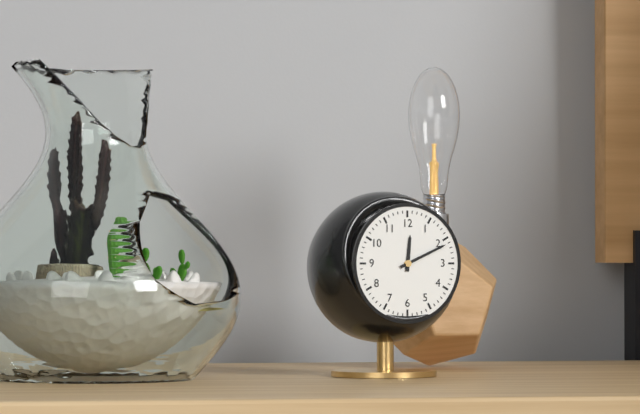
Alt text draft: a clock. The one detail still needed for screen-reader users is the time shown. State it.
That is 12:11
